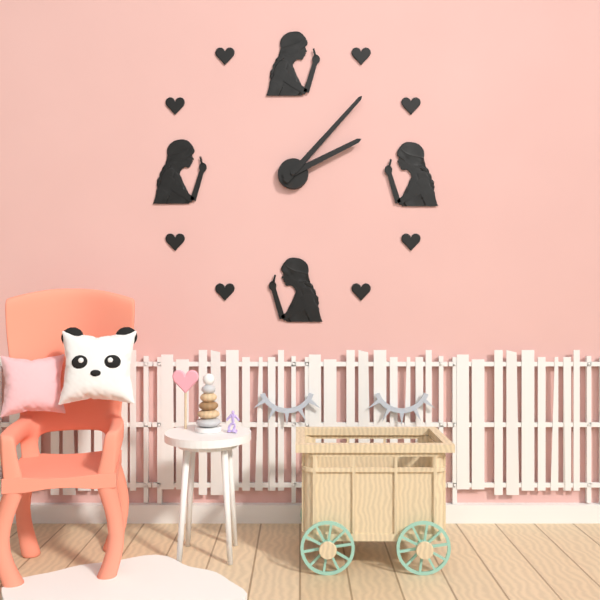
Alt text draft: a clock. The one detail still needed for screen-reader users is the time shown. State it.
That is 2:07
